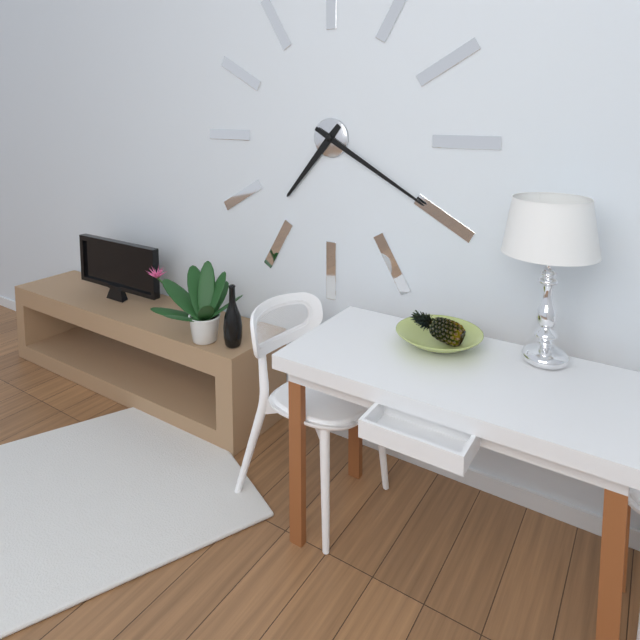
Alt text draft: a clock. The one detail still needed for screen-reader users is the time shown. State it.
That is 7:20
